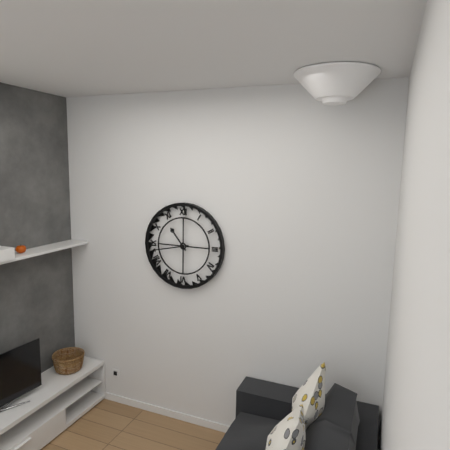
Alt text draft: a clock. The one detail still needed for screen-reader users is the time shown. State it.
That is 10:43
